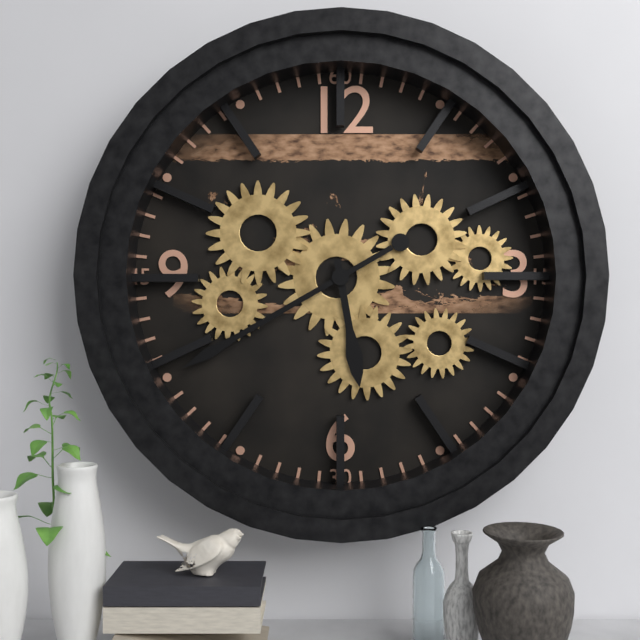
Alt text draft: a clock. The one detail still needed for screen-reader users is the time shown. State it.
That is 5:40
